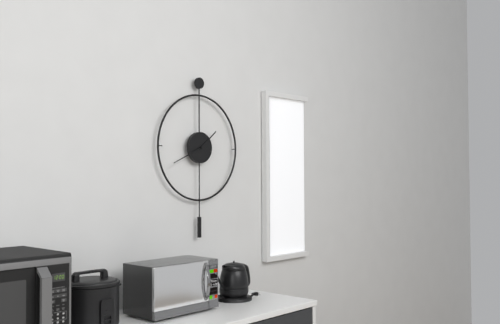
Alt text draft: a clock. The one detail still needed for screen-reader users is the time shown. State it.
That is 1:41
